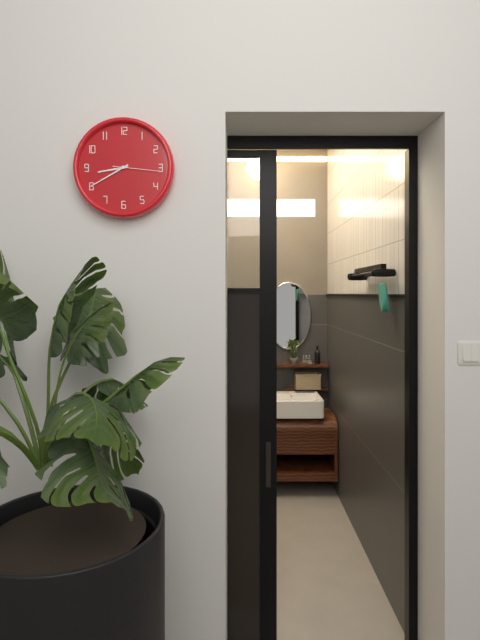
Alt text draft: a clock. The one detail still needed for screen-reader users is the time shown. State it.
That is 8:40
